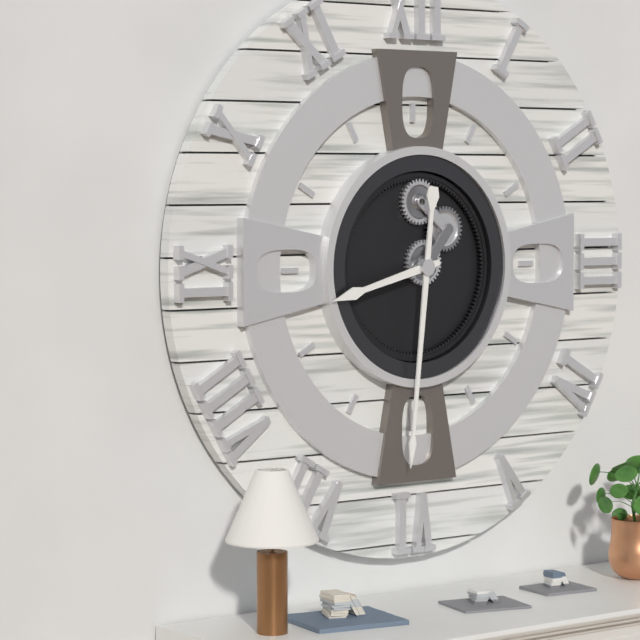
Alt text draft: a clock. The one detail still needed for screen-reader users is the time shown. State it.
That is 8:31
